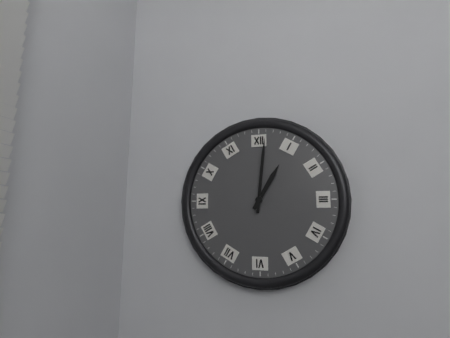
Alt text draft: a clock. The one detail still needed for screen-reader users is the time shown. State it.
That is 1:01
